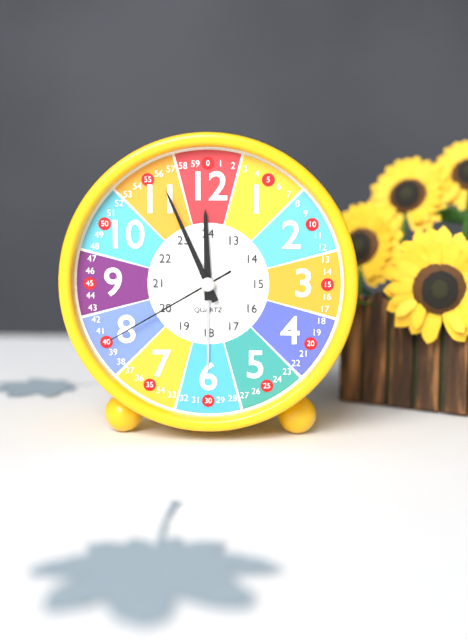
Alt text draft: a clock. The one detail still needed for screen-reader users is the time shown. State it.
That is 11:56:40
